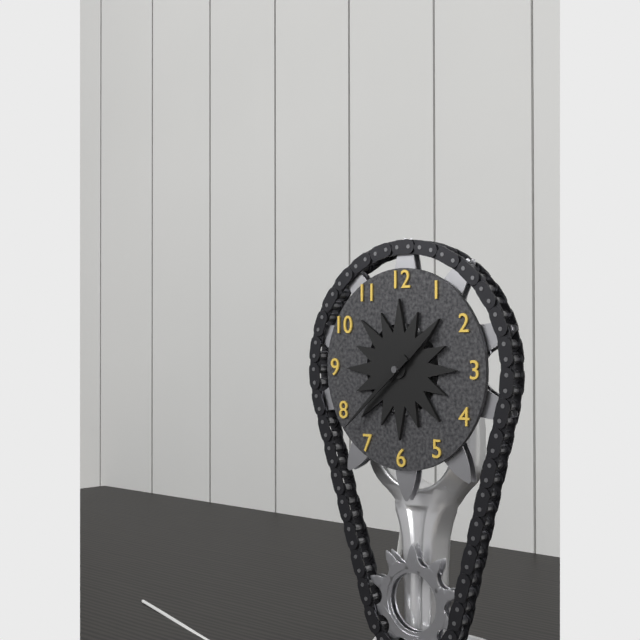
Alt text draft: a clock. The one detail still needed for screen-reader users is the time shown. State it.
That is 1:38
